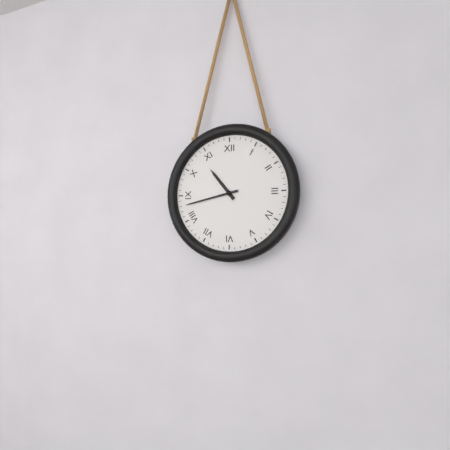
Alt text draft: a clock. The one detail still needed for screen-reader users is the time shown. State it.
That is 10:43
